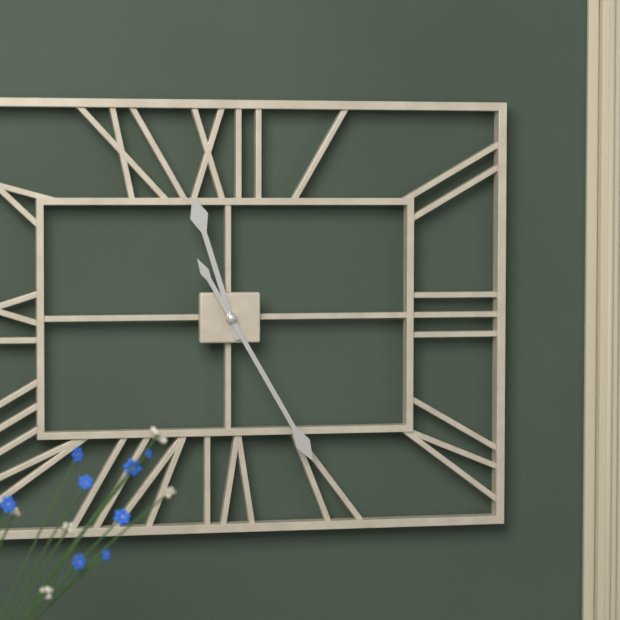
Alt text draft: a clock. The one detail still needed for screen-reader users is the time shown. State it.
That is 11:25
